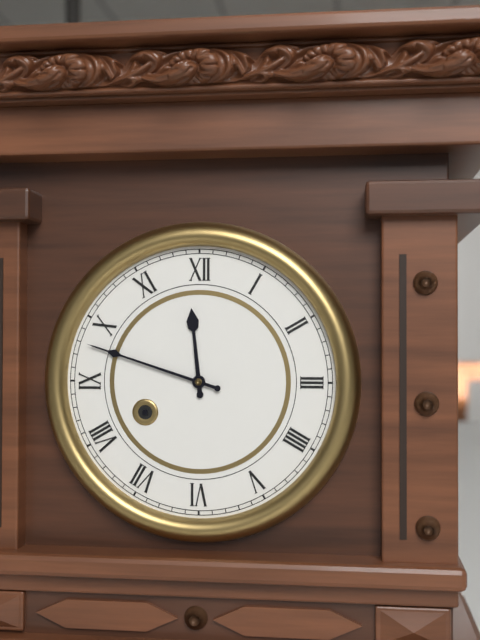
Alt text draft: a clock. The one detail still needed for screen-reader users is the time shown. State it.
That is 11:48
